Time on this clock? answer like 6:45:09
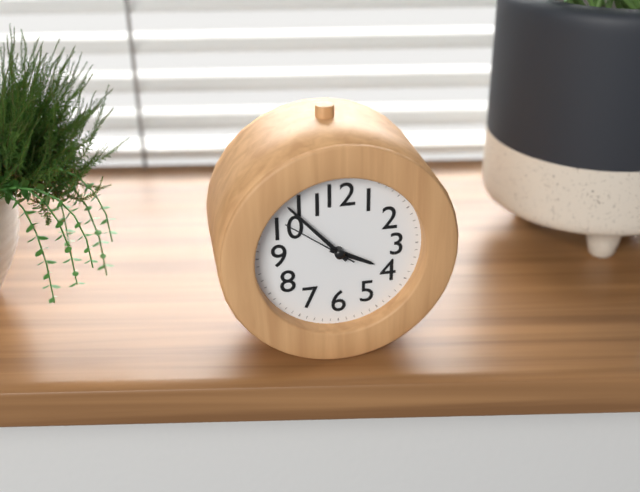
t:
3:53:51
